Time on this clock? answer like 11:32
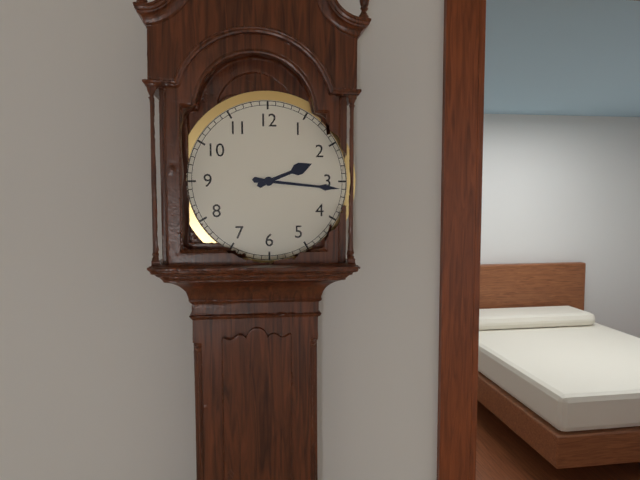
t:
2:16
